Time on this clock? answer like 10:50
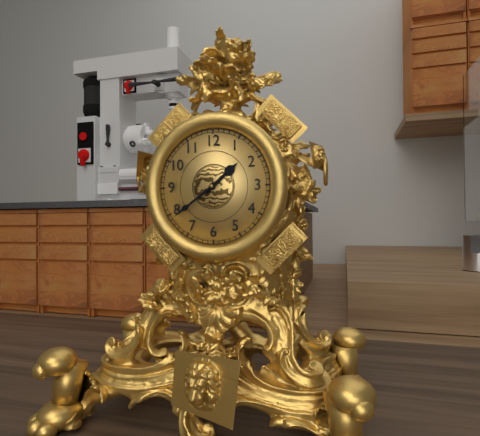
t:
1:39
